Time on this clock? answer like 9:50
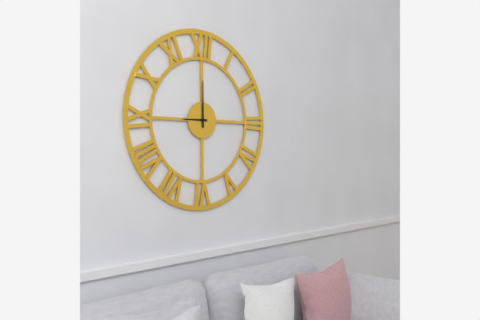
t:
9:00
